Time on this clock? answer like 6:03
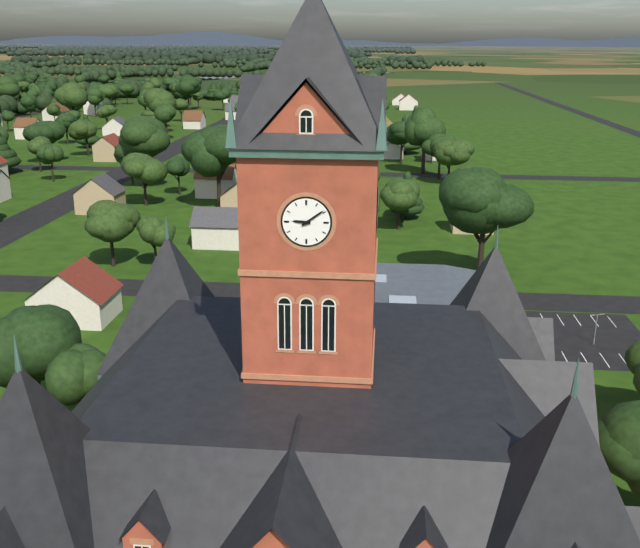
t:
9:09
